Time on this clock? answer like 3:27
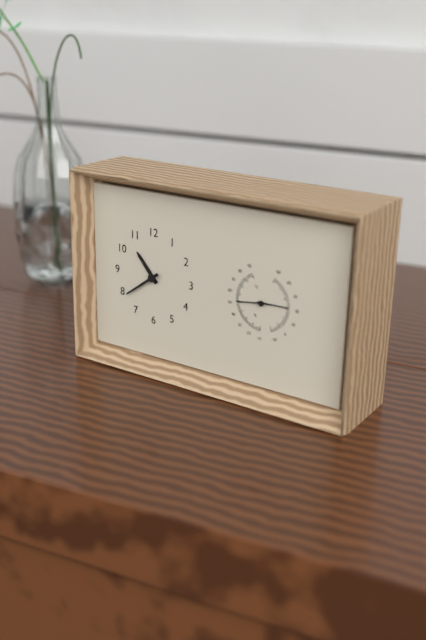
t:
10:39
